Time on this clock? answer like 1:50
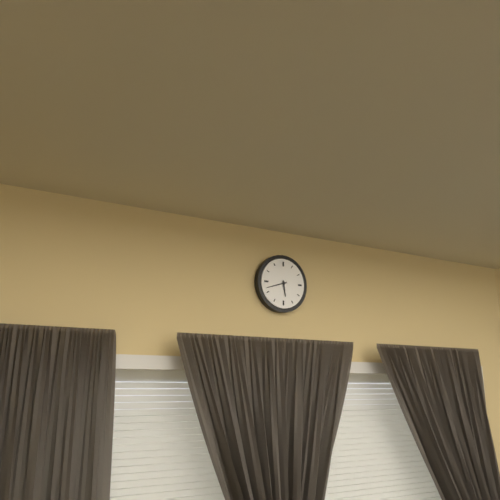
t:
5:42
